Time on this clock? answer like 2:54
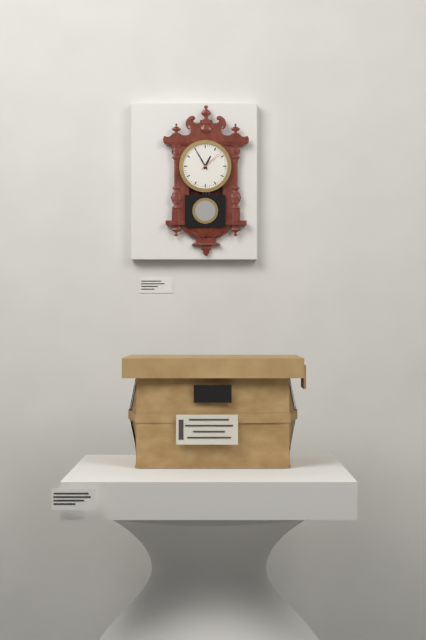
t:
12:55
